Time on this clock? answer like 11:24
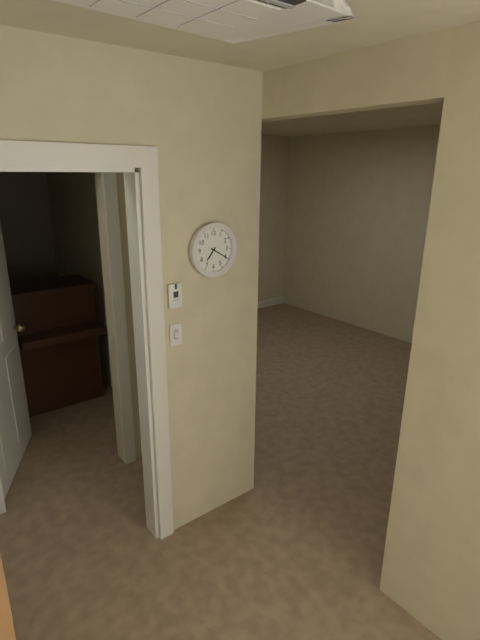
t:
7:20
